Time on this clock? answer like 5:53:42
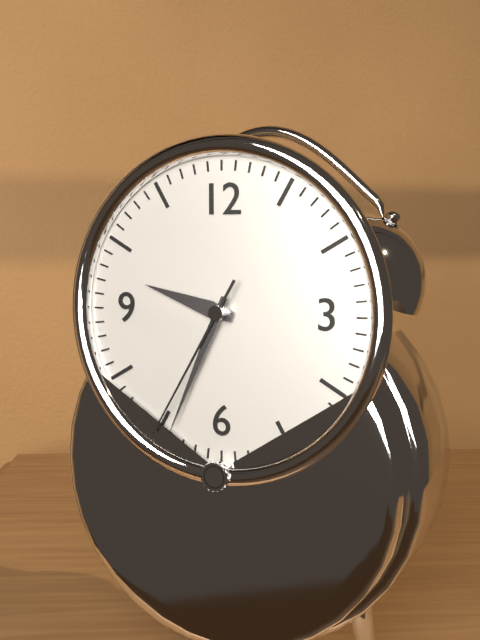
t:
9:34:35
